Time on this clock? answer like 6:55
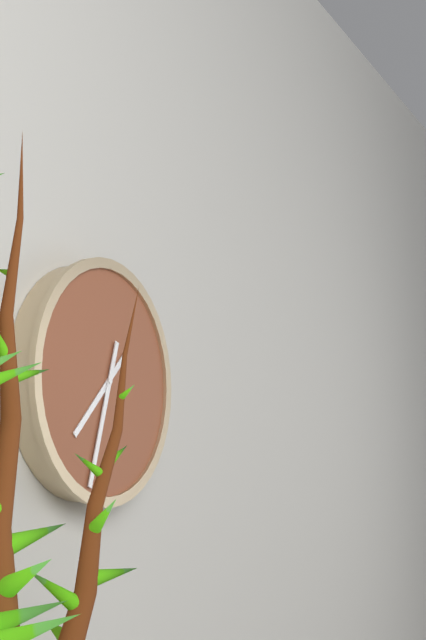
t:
7:33
